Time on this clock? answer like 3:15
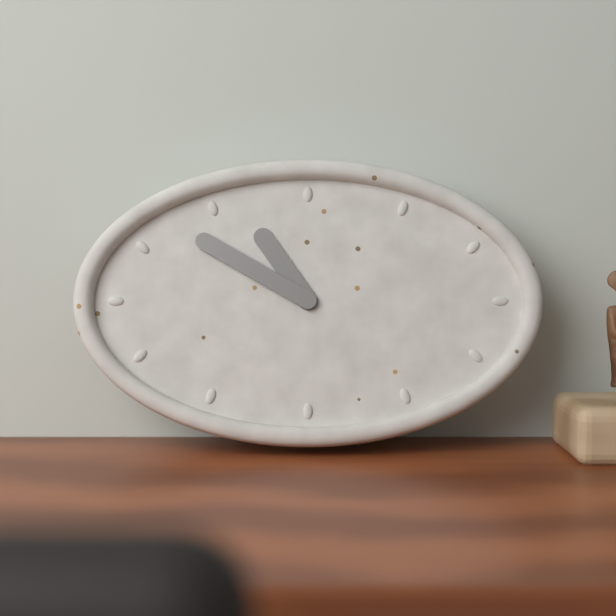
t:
10:50
